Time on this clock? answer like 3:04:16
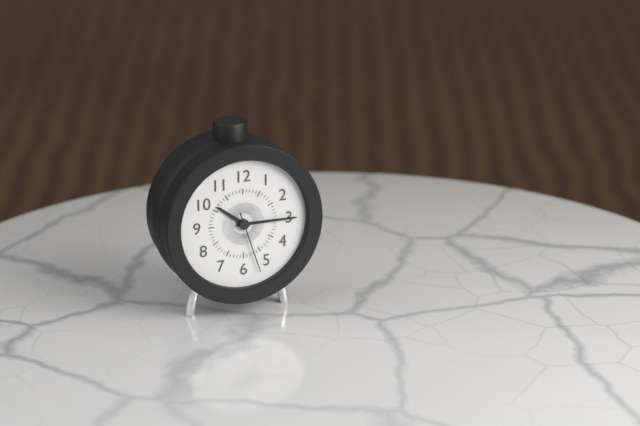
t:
10:15:27
